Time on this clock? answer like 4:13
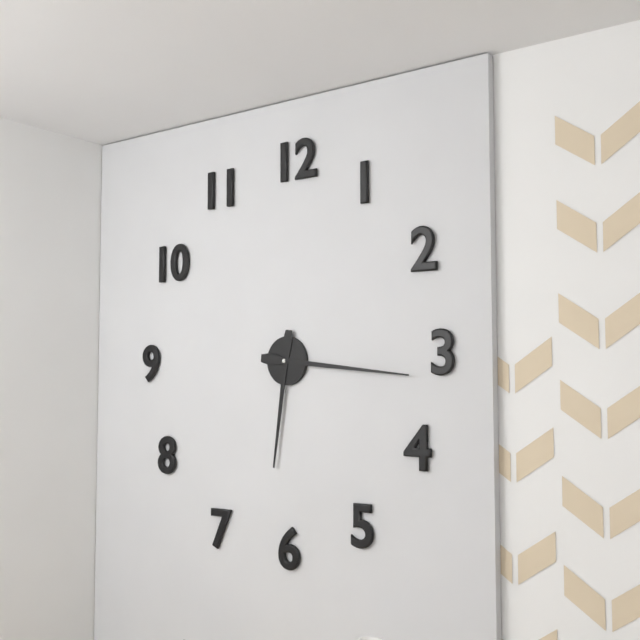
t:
6:16
